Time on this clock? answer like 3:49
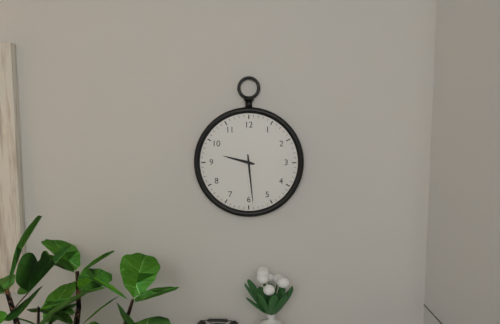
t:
9:29
